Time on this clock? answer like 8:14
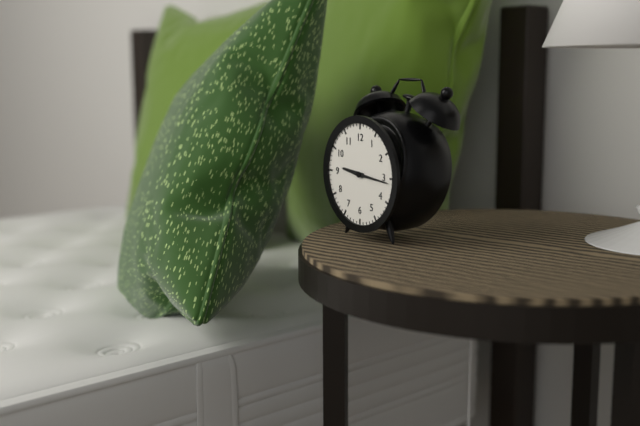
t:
9:16
